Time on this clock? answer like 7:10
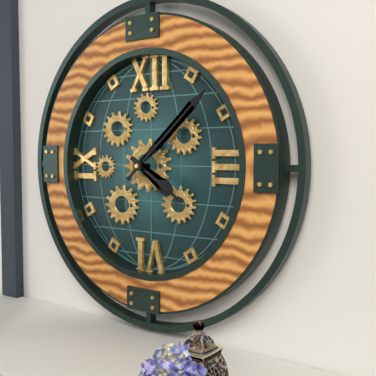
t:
4:08
